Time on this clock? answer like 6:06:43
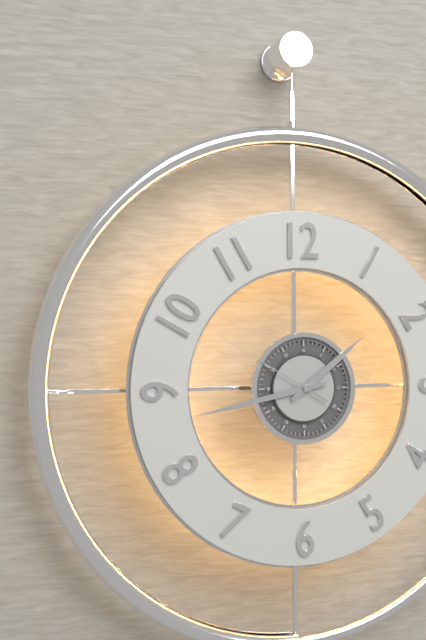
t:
1:43:50
